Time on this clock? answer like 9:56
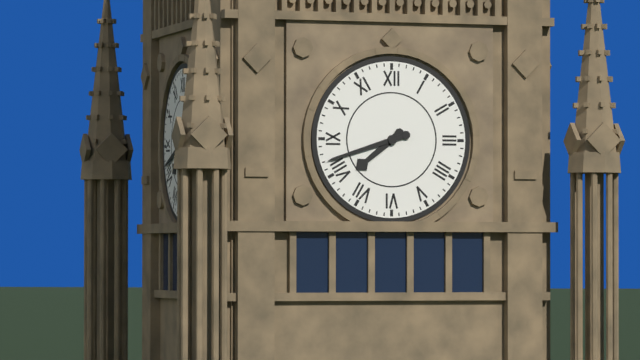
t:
7:42
